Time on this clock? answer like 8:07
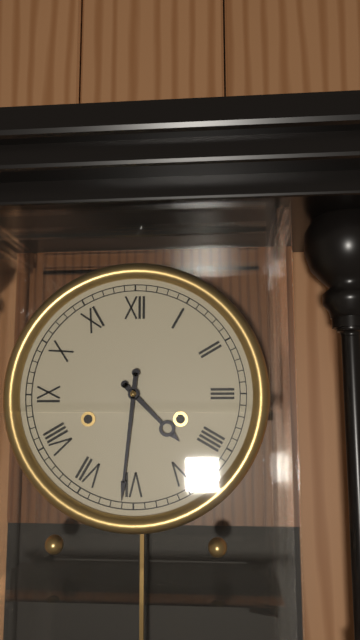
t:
4:31
